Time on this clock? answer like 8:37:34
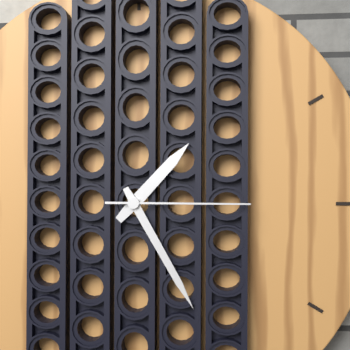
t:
1:25:15
